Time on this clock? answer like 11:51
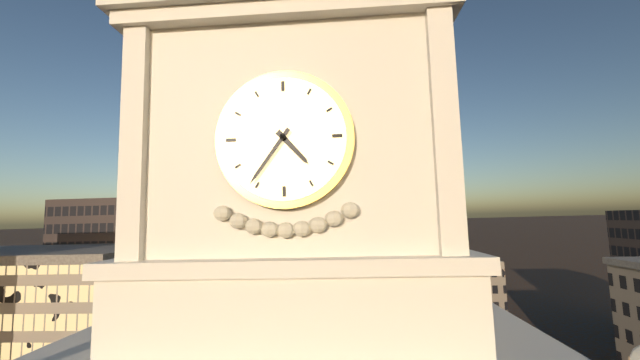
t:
4:36
